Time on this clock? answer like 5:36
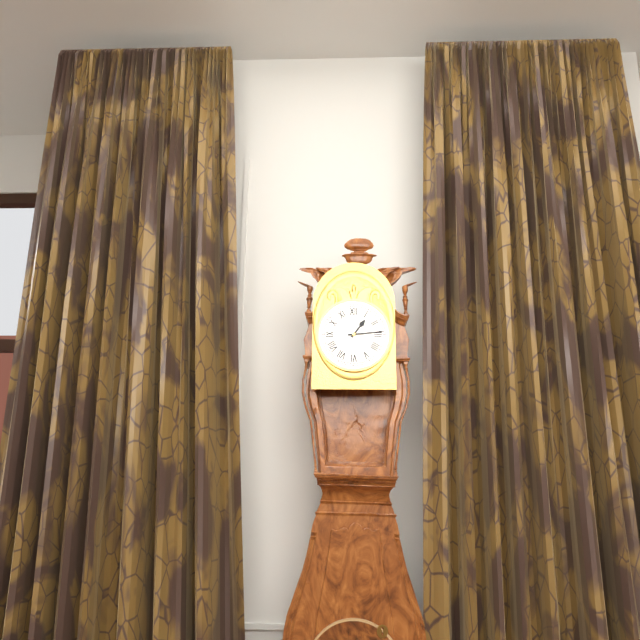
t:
1:14
